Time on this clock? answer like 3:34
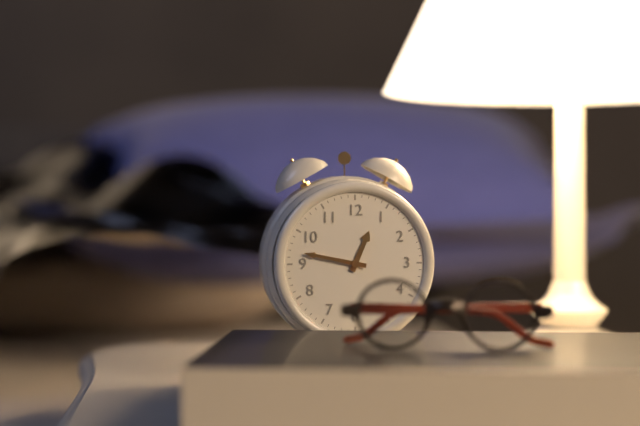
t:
12:47
